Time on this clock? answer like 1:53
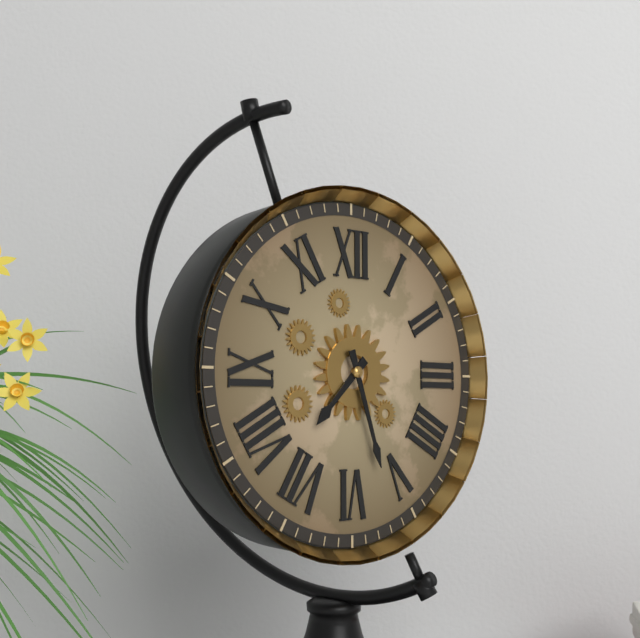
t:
7:27
